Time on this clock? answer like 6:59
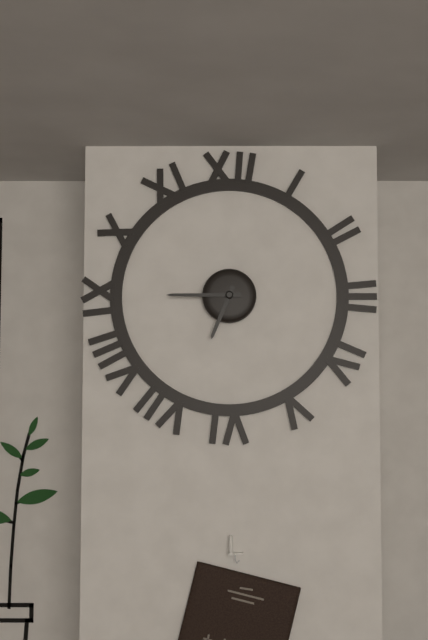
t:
6:45
